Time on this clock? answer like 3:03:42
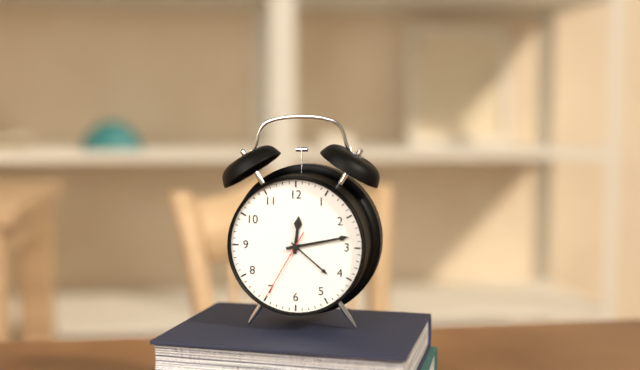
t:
12:13:35
